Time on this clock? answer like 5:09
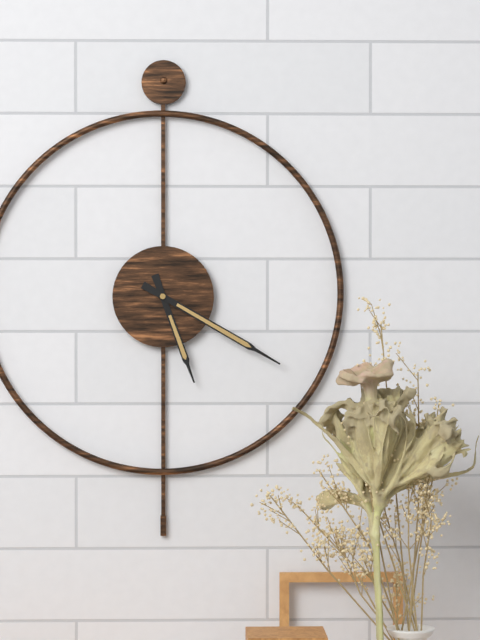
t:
5:20
